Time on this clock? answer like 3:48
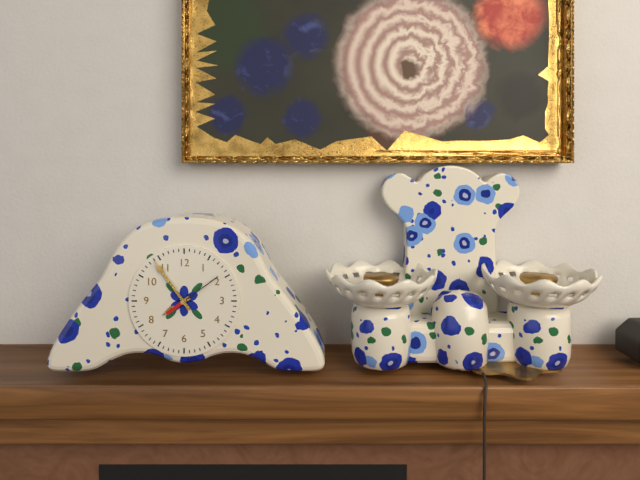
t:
7:54
